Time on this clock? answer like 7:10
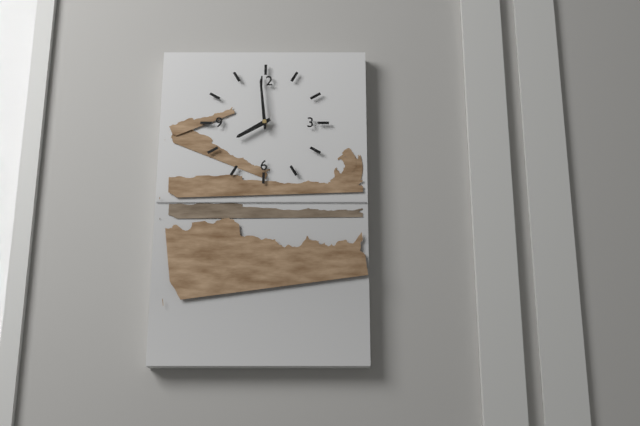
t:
7:59
